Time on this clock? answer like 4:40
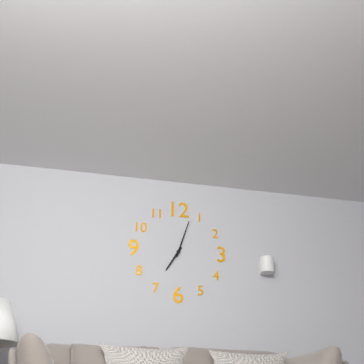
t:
7:03
